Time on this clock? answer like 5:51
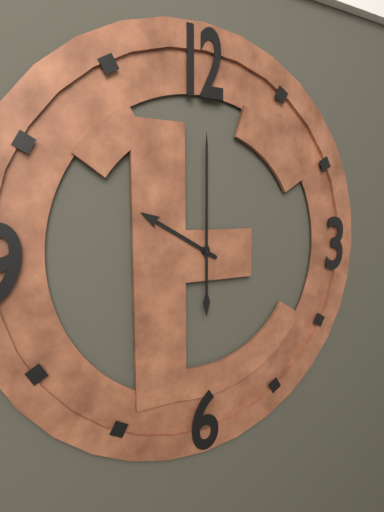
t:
10:00
